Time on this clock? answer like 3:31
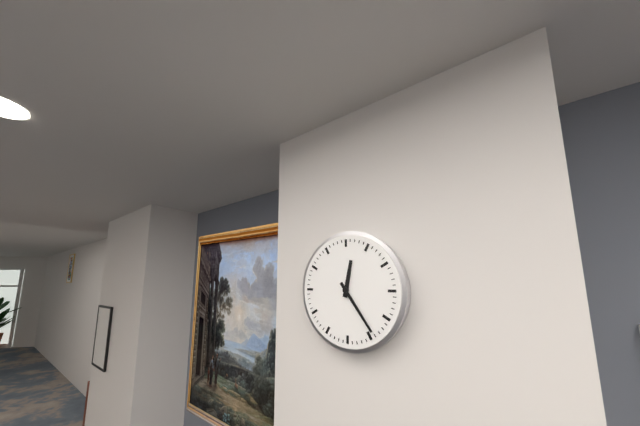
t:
12:24
